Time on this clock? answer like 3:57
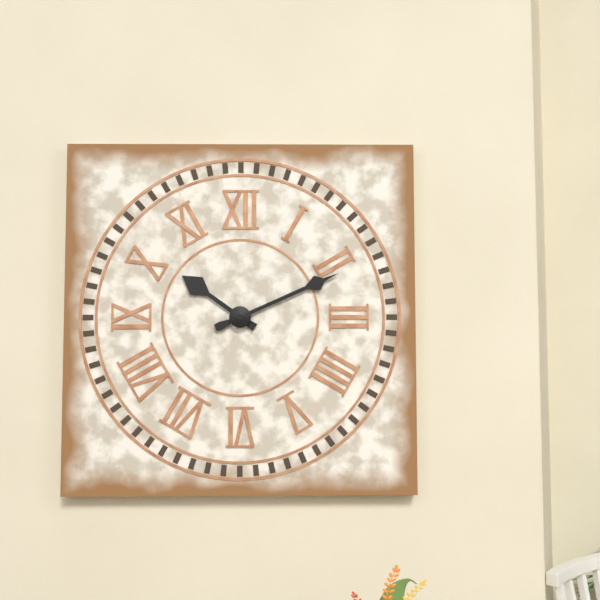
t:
10:11
